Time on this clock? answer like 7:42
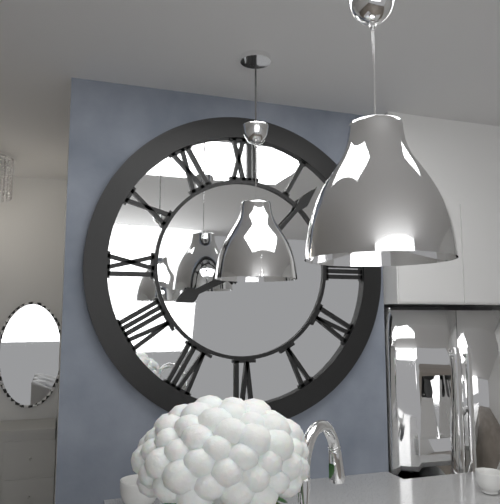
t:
8:07
